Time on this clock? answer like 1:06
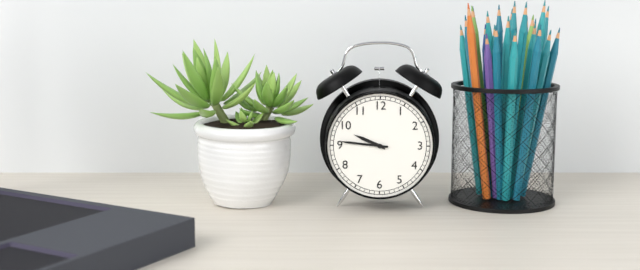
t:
9:46
